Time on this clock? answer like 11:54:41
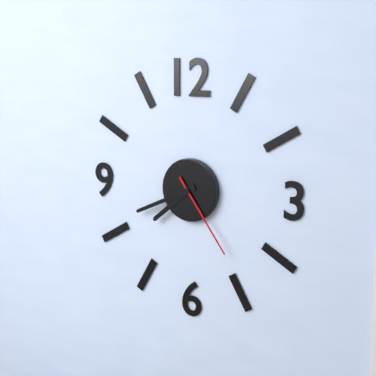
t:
7:41:24
